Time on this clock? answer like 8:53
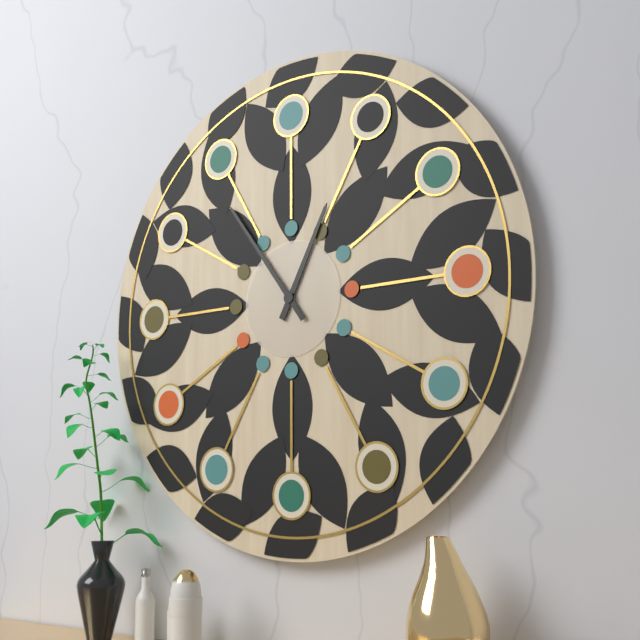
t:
12:54
